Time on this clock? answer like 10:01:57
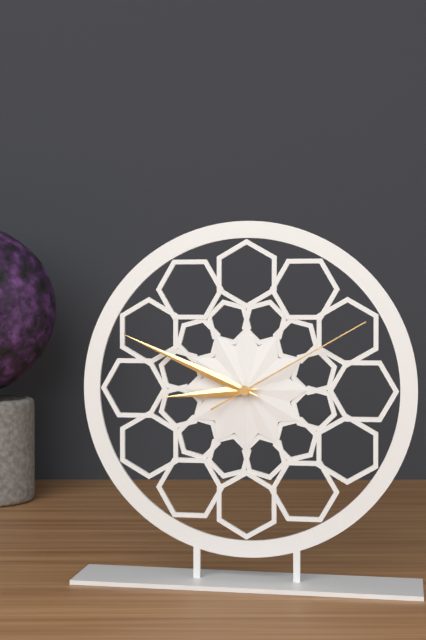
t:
8:49:10
